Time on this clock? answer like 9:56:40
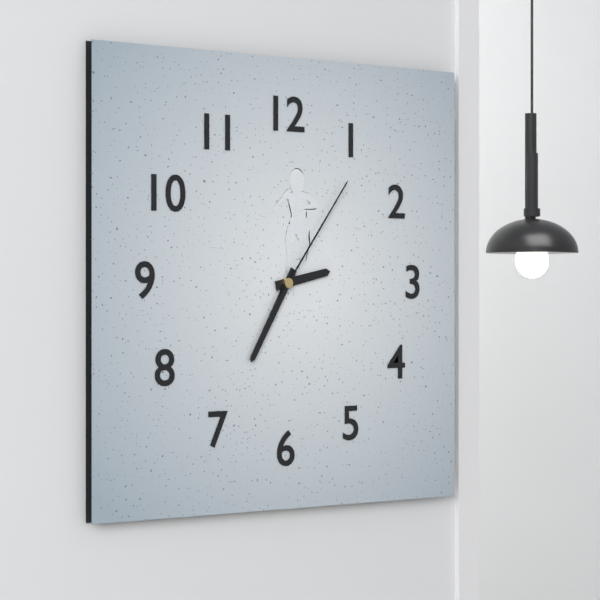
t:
2:35:06
